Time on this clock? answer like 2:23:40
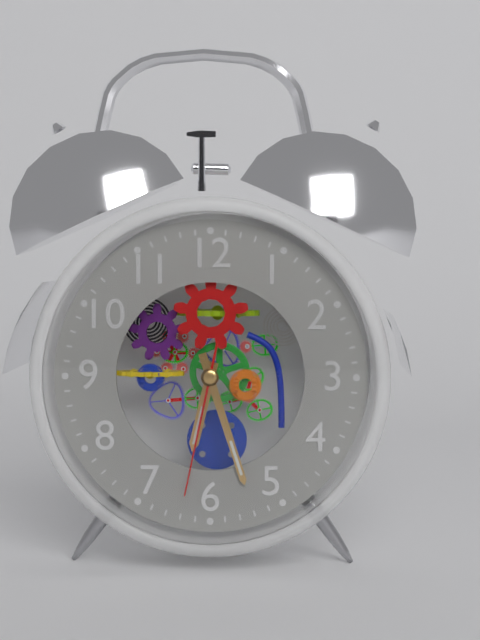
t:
6:27:32
